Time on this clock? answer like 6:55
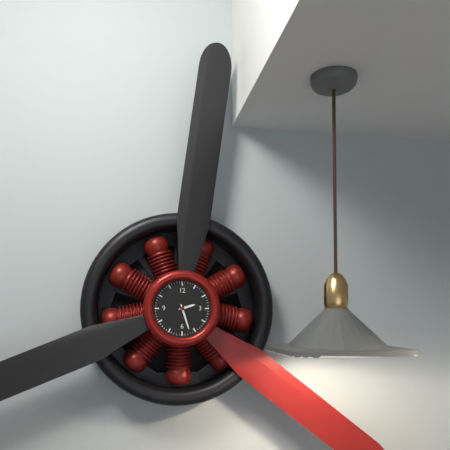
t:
2:27
